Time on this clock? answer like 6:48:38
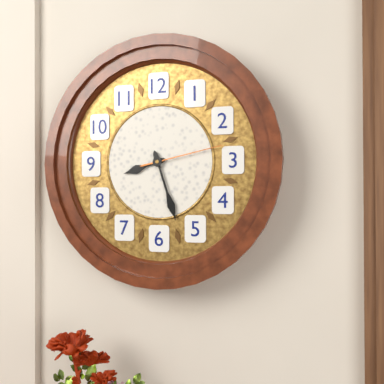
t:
8:27:13
